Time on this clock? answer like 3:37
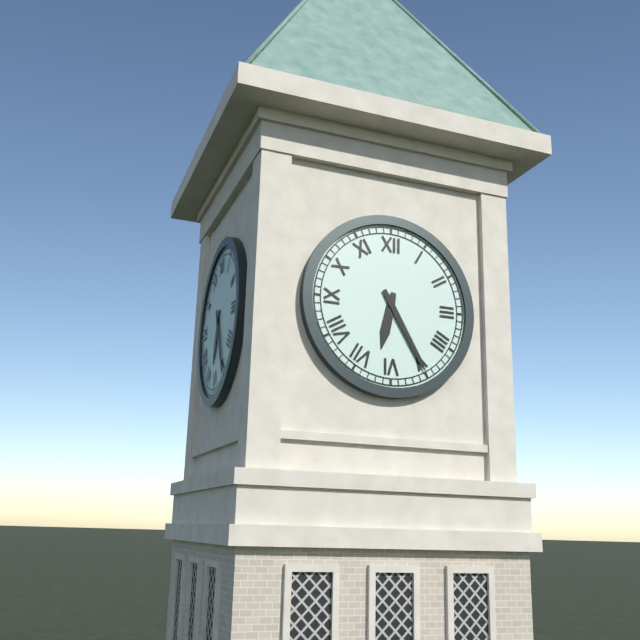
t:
6:25
